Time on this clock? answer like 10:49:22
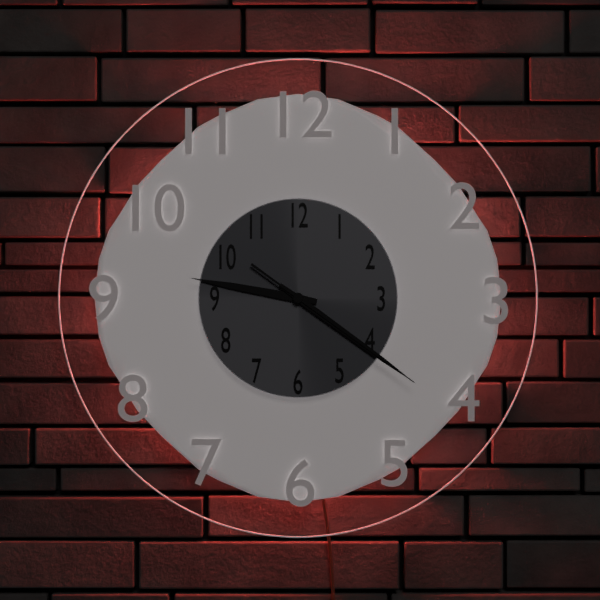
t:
9:21:21
